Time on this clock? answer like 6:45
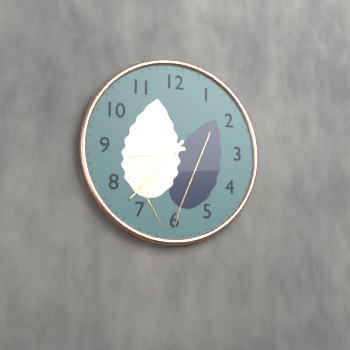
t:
8:37
